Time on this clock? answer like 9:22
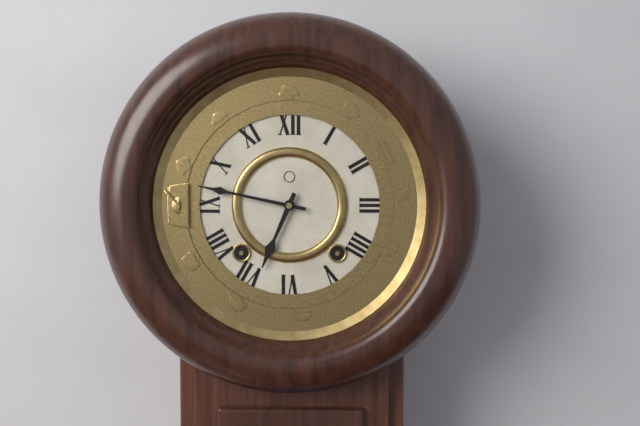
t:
6:47
